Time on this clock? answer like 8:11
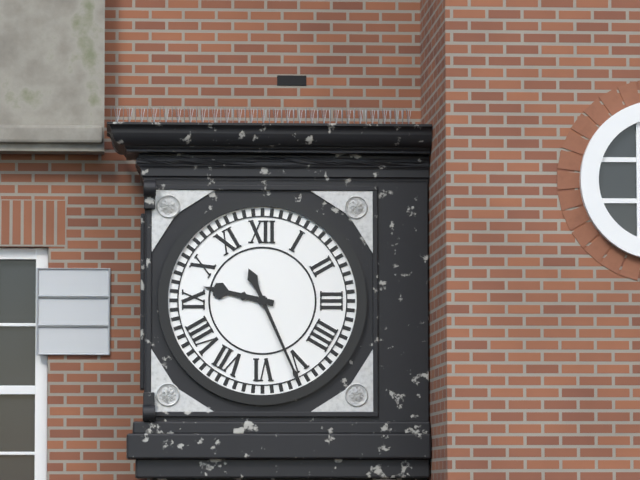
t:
9:26
